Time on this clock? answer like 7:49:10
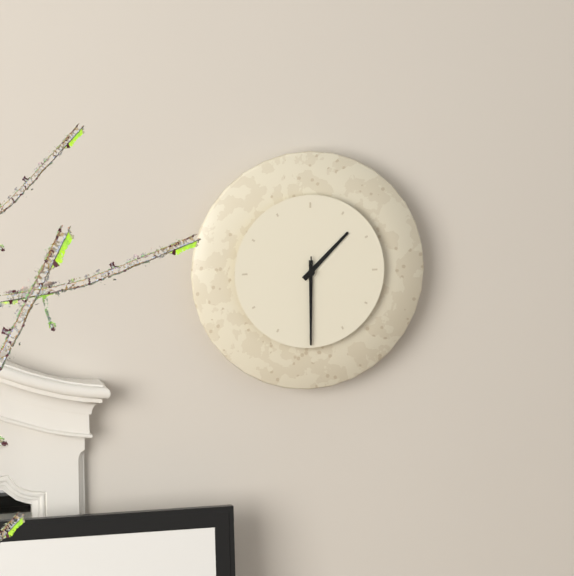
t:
1:30:30
